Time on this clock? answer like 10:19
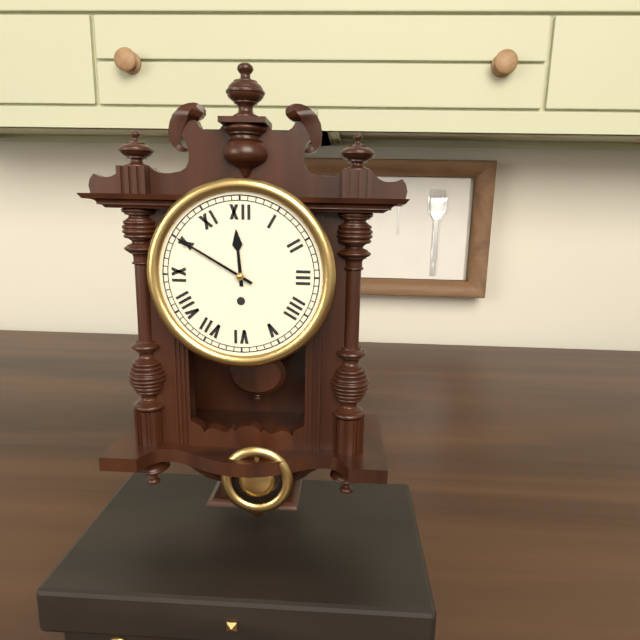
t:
11:50
